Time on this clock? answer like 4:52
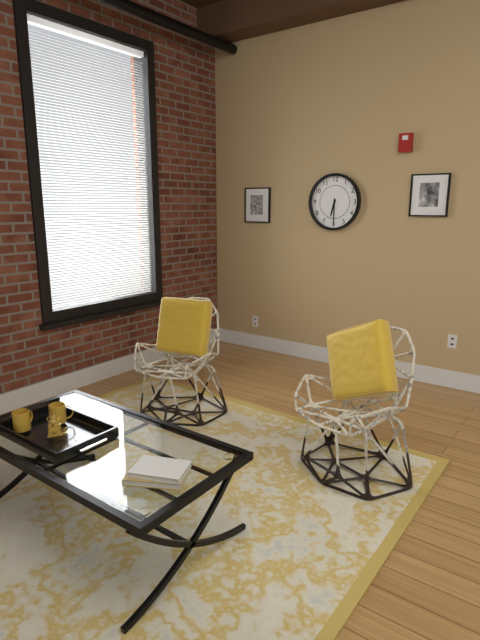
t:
6:30
